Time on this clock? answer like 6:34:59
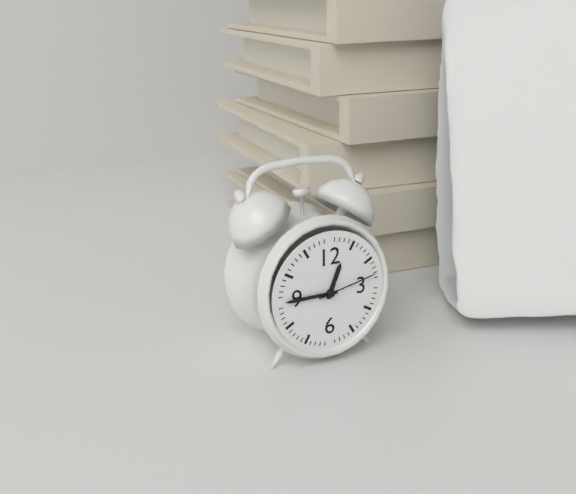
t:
12:45:13
